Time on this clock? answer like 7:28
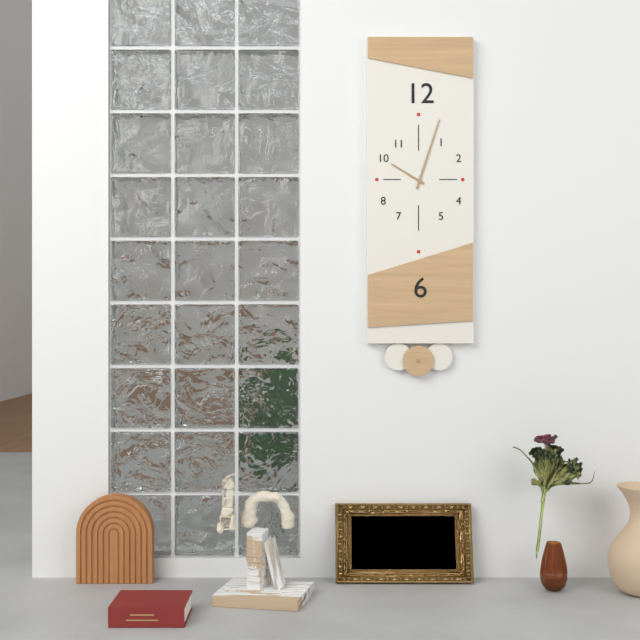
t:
10:03
